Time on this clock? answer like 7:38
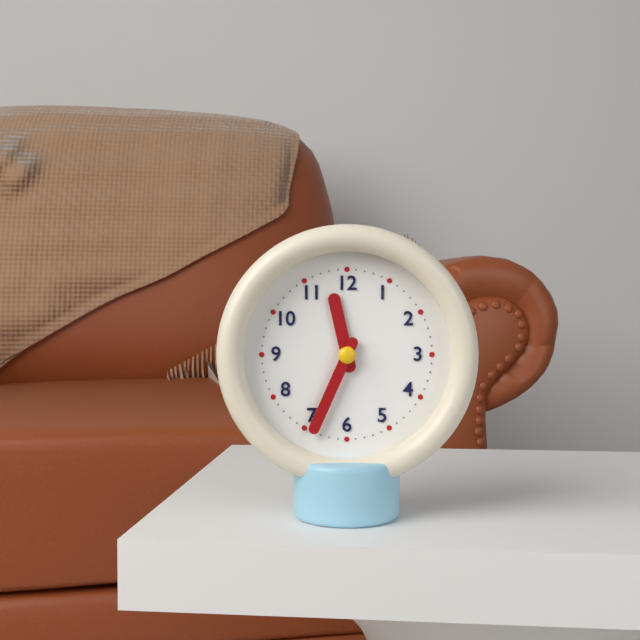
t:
11:34
